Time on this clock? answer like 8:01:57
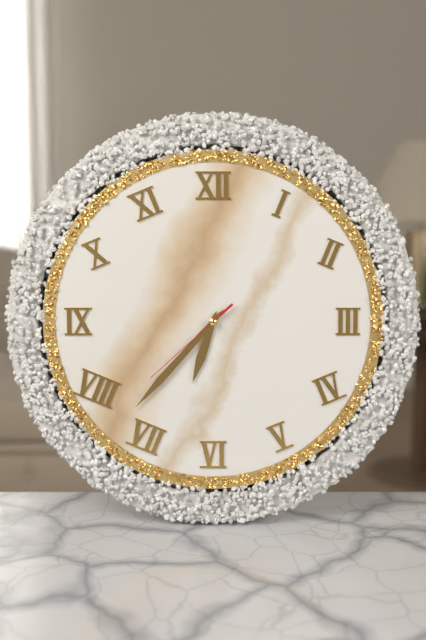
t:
6:37:38
